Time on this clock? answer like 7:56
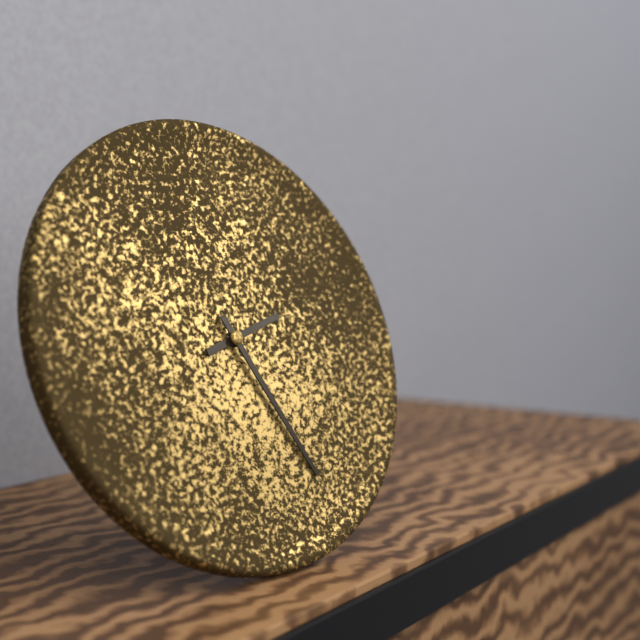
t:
2:26
